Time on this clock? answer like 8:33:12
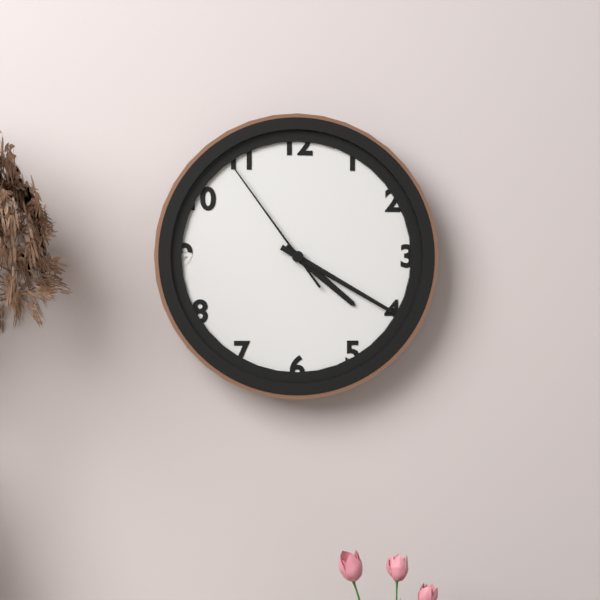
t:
4:20:54
